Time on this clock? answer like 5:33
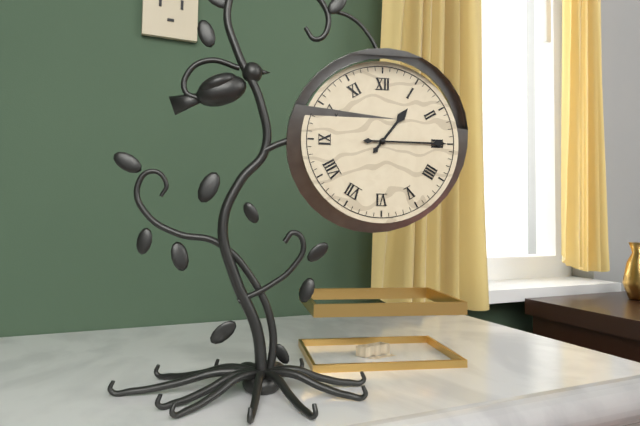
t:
1:15
